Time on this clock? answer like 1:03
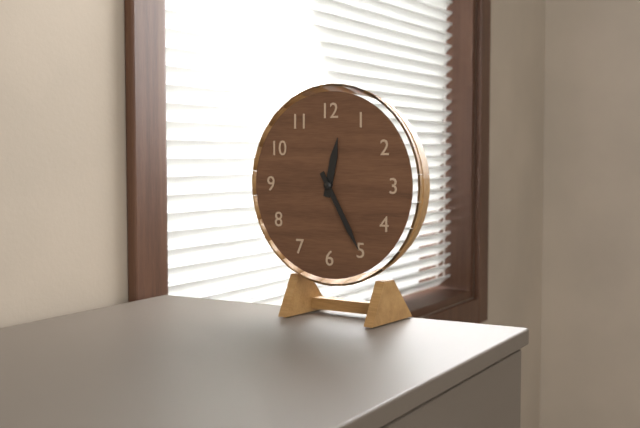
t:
12:25
